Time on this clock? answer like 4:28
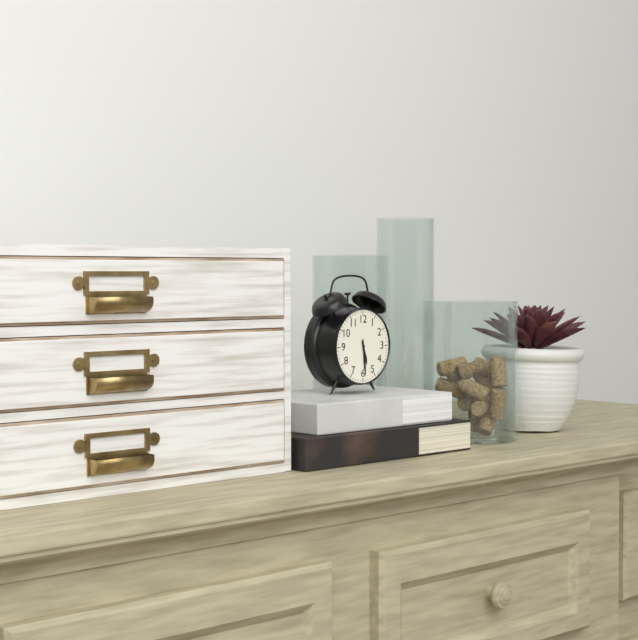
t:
5:29
